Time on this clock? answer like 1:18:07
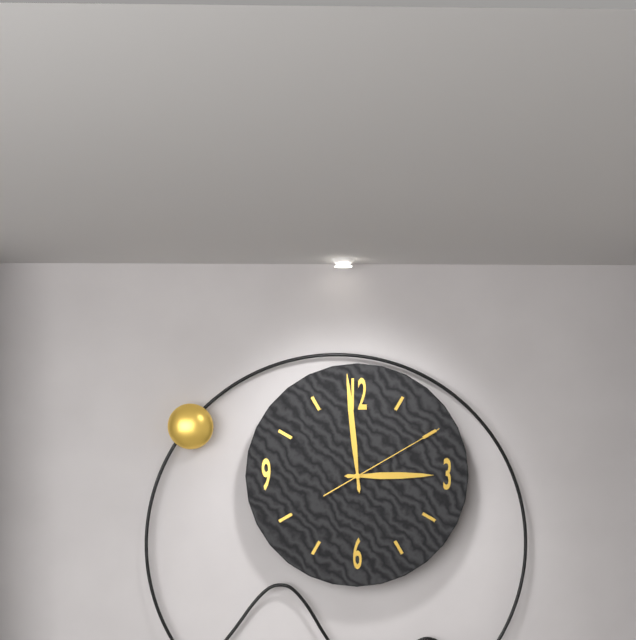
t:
2:59:10
